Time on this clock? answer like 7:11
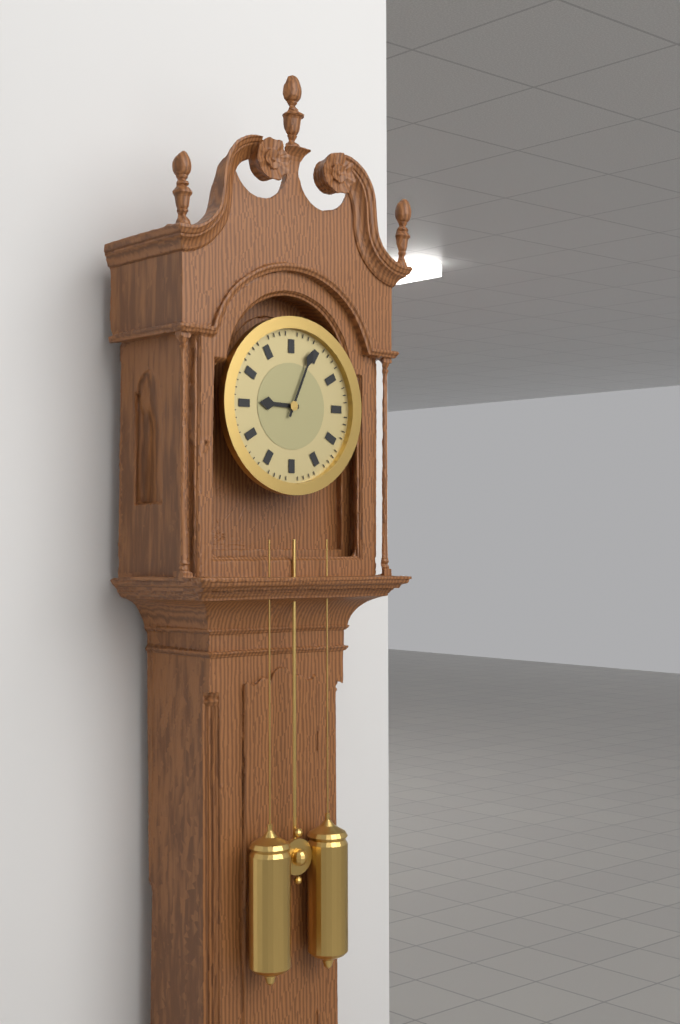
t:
9:04
